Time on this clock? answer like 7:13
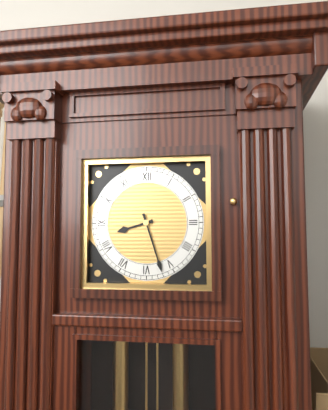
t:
8:27
